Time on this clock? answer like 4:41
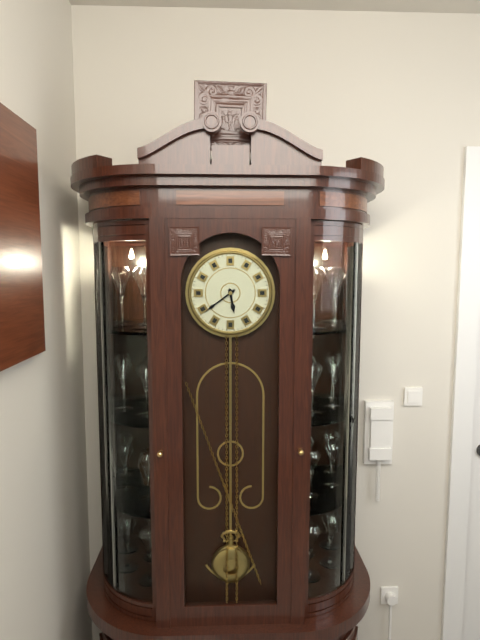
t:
5:39
